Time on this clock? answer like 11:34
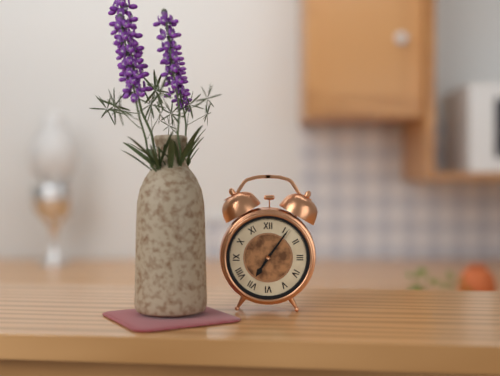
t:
7:06
